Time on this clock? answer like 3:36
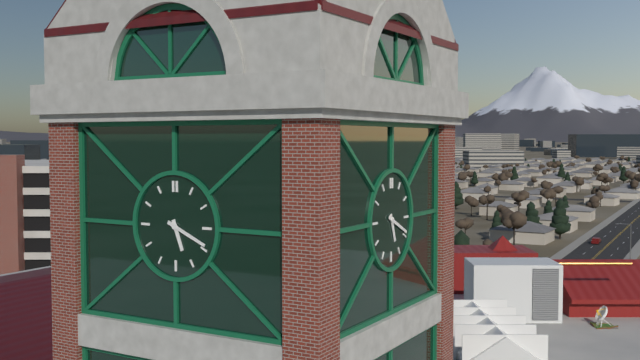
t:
5:19
